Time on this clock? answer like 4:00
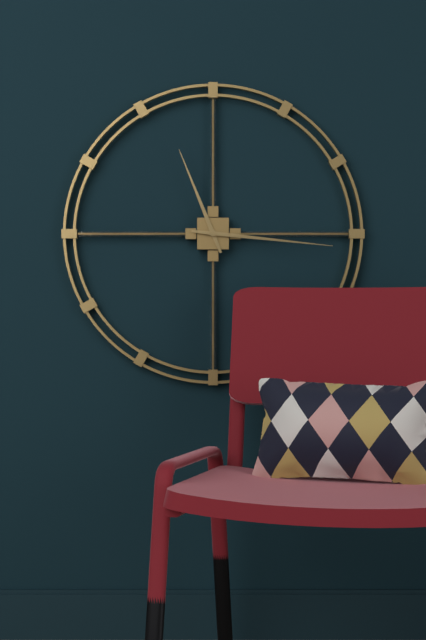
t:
11:16
